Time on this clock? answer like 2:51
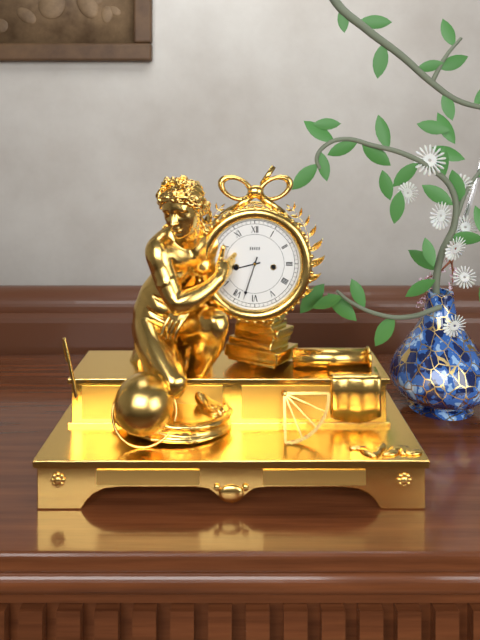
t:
8:33
